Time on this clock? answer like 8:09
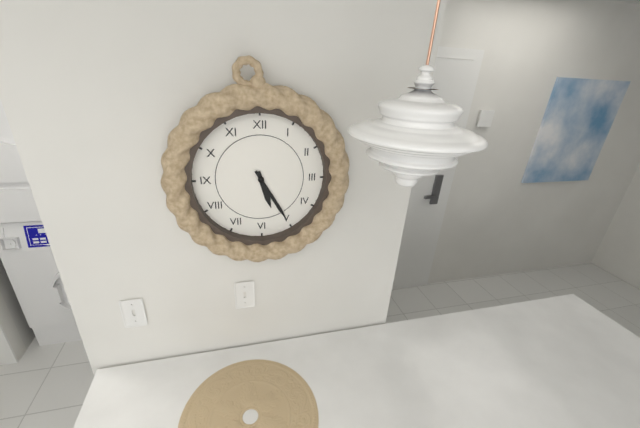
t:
5:25
